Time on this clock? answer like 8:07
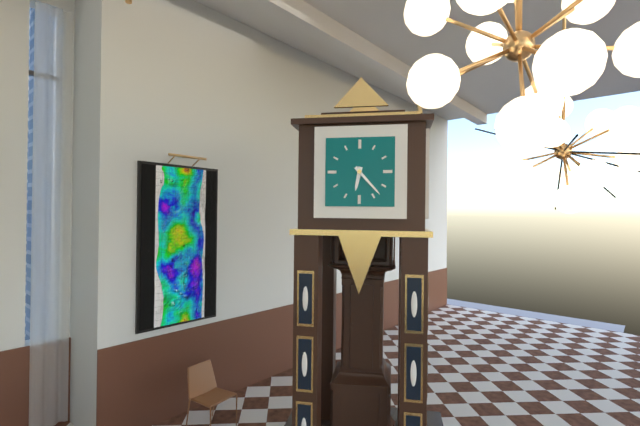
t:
6:23
